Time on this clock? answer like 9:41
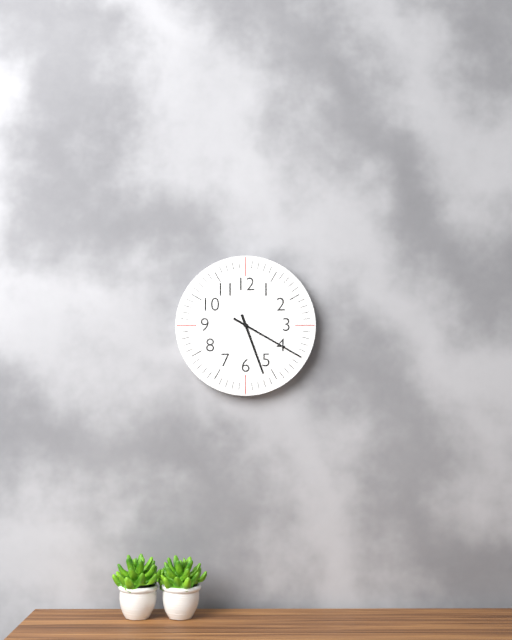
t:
5:20
